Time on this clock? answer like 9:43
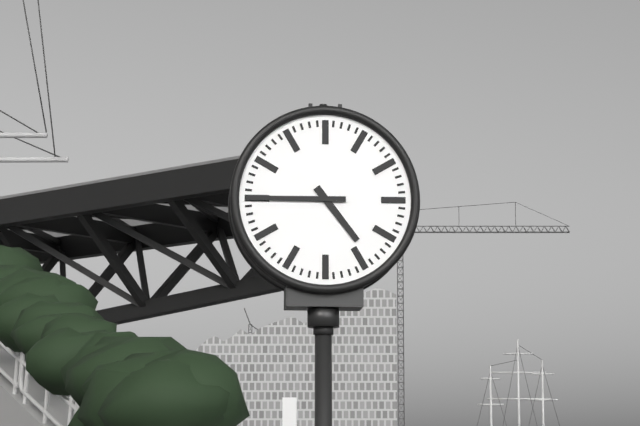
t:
4:45
